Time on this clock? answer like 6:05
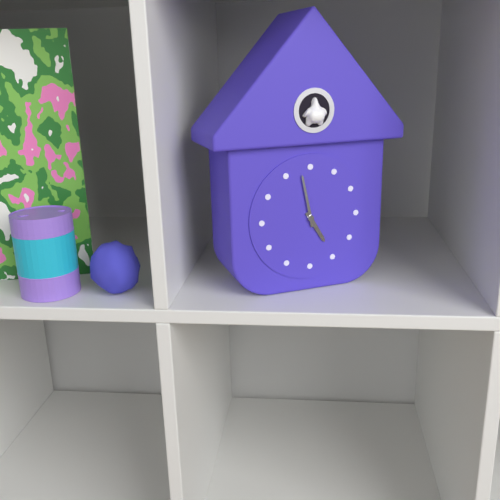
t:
4:58
